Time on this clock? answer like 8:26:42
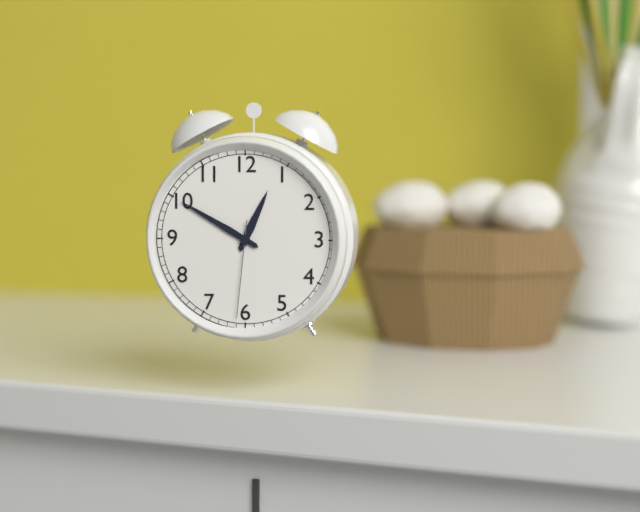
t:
12:50:31
